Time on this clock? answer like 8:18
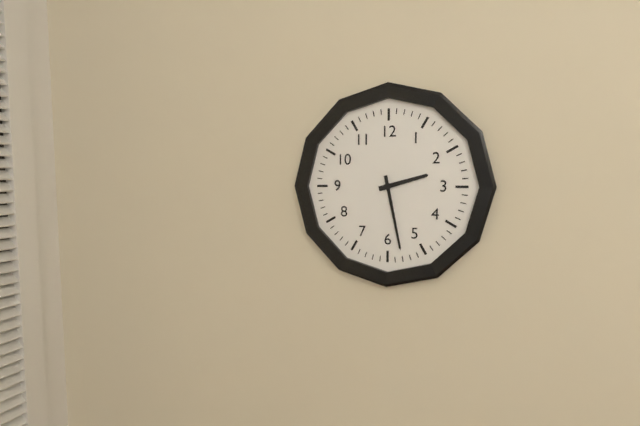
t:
2:28
